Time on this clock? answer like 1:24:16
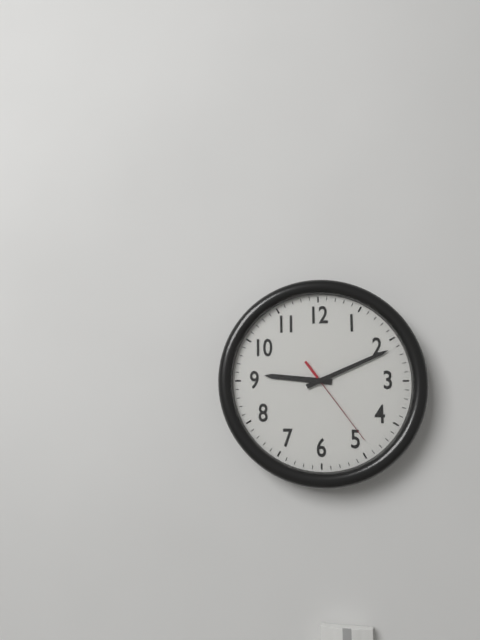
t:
9:11:24
